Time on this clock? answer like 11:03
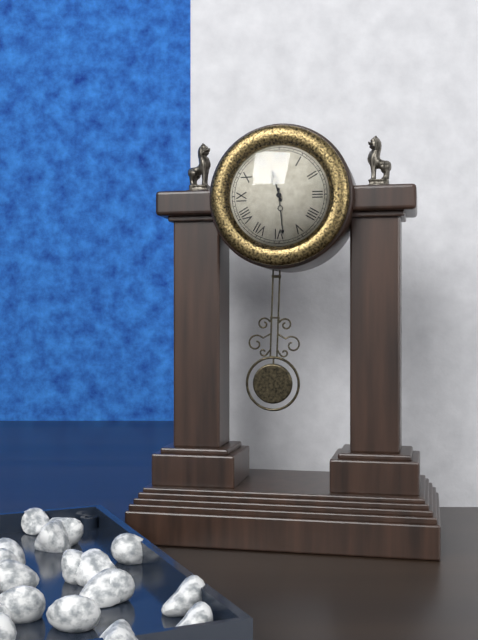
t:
11:29
